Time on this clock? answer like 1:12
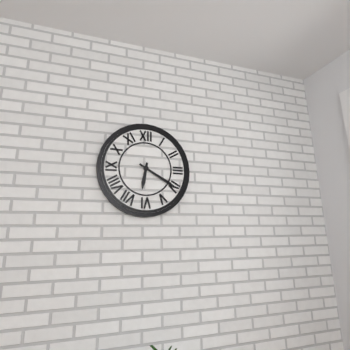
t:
6:20
